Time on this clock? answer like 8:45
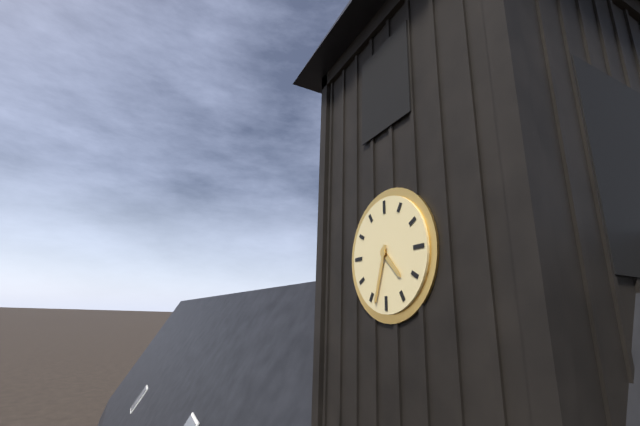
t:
4:33
